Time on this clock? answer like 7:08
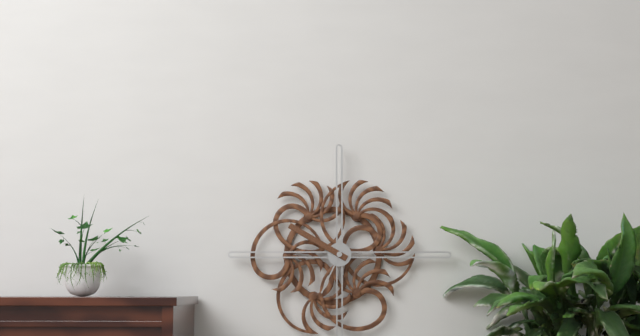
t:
6:50
